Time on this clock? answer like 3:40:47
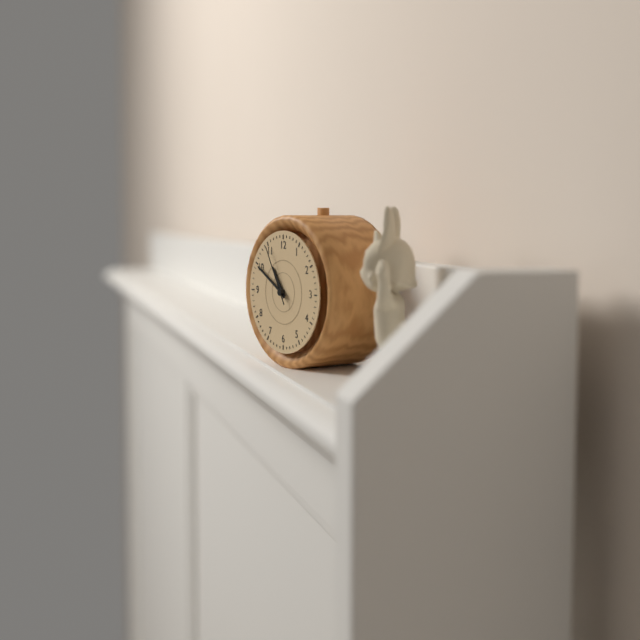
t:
10:50:55
